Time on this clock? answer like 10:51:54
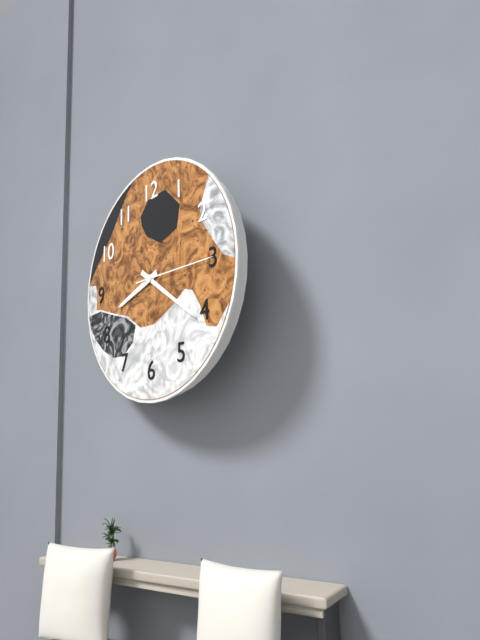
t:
8:21:15
